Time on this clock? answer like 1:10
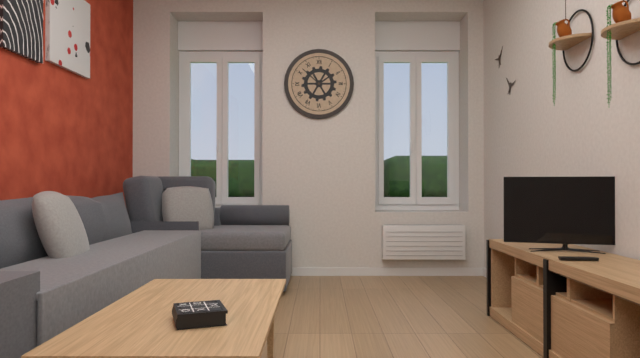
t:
1:52
